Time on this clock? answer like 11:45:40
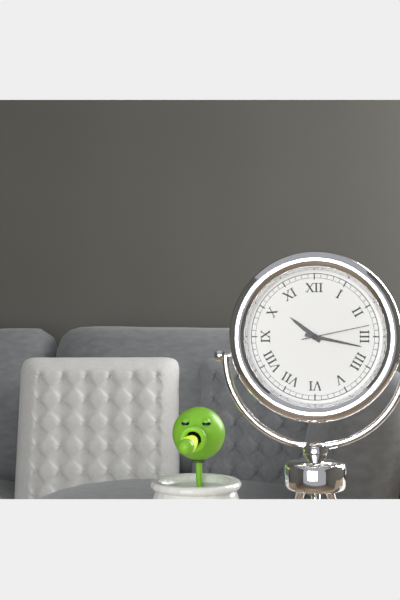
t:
10:17:13
